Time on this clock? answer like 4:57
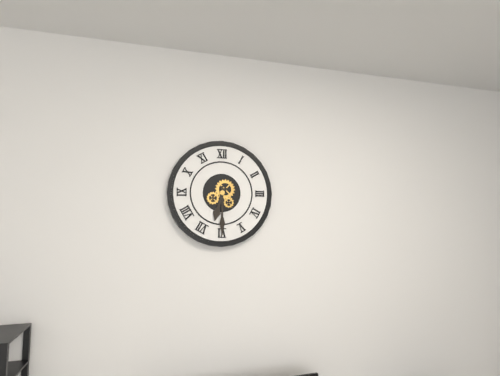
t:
6:30
